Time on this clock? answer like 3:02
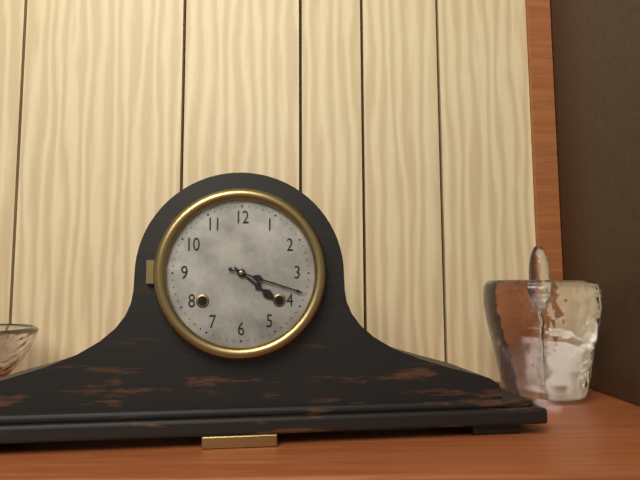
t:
4:18
